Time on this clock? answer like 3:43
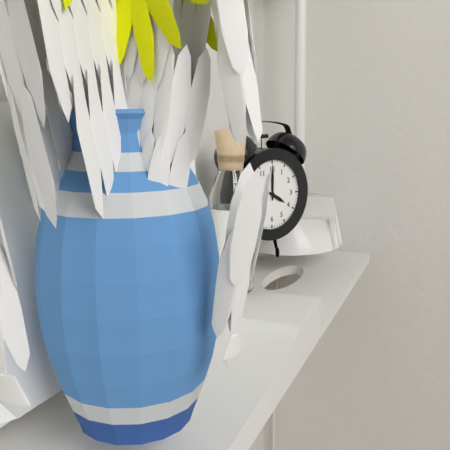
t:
4:00
